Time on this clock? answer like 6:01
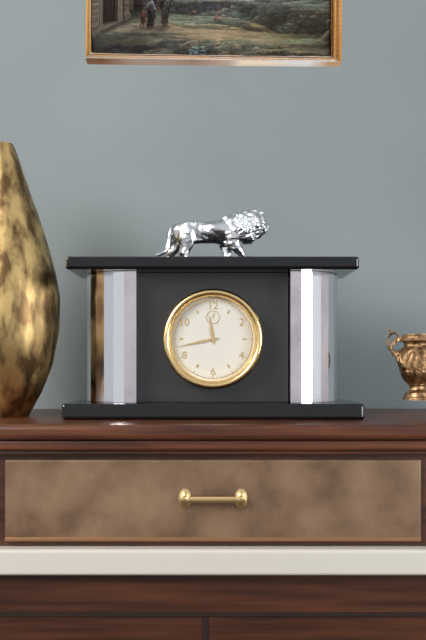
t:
11:43
